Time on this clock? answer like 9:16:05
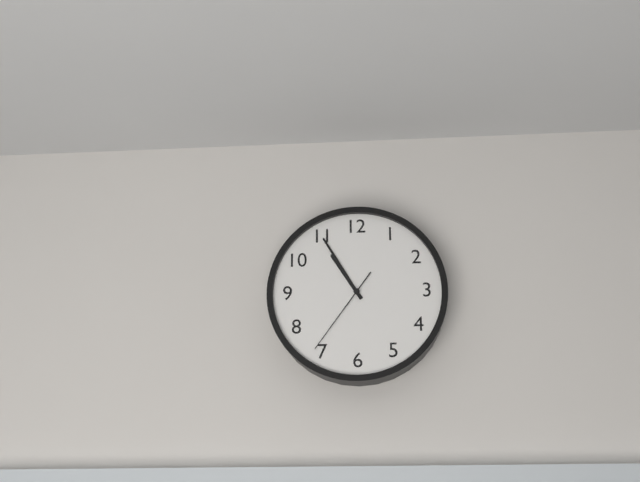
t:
10:55:36
